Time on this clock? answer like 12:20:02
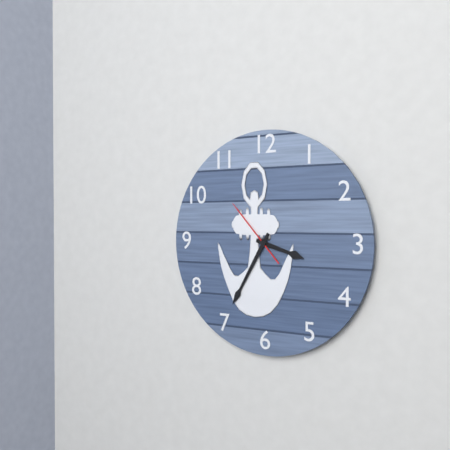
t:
3:35:53
